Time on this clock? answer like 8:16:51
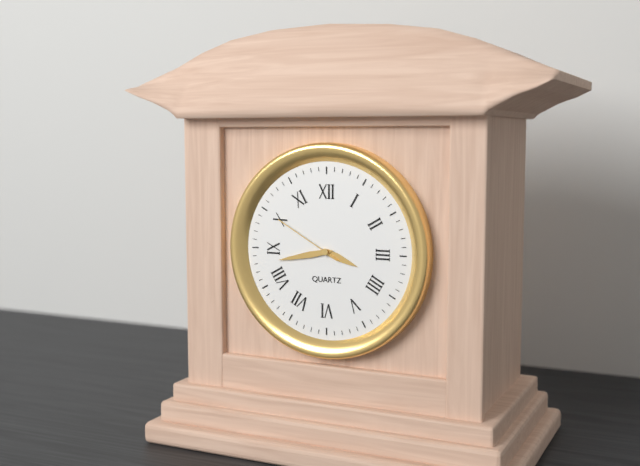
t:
3:43:50
